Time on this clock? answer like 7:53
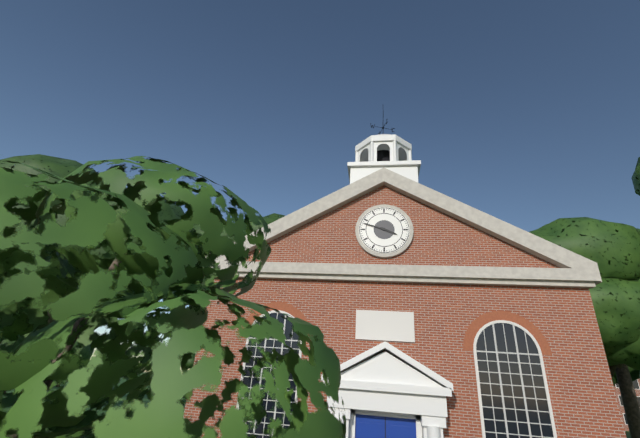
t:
3:48
